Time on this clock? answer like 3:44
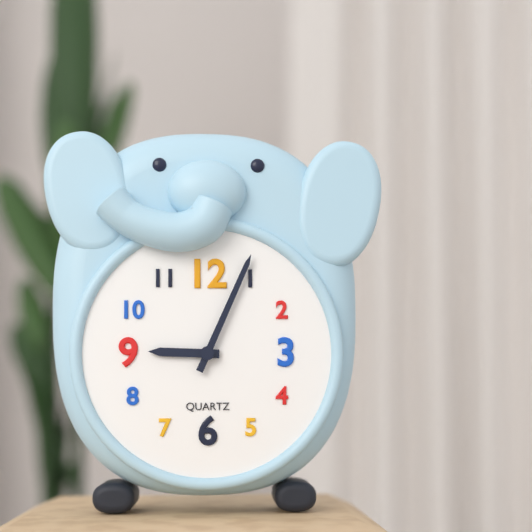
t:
9:04
